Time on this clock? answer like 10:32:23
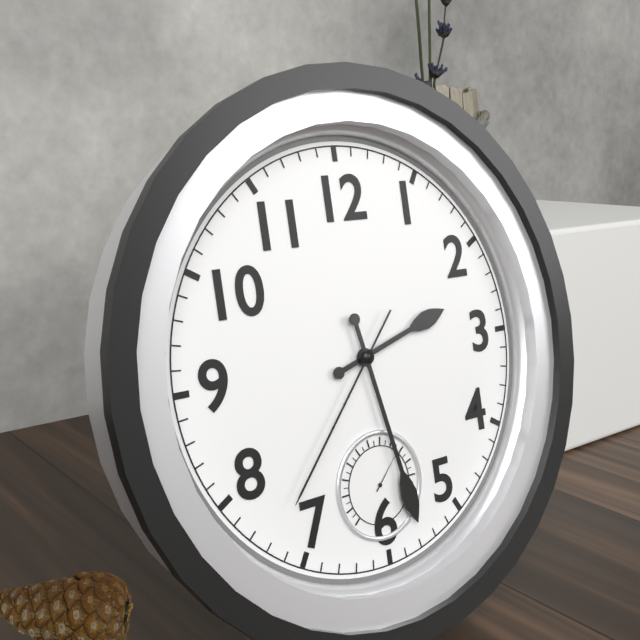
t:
2:28:37
